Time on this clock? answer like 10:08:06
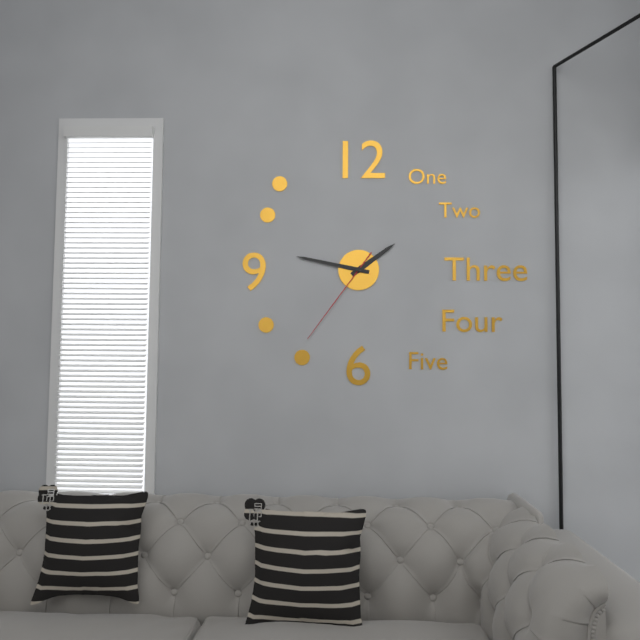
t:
1:47:36
